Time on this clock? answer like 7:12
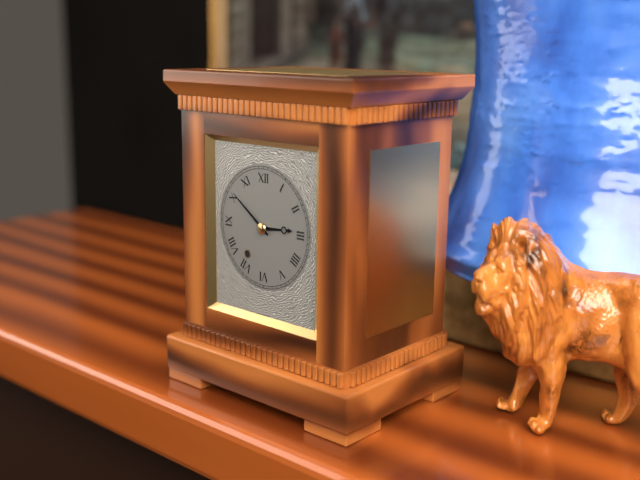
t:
2:51
